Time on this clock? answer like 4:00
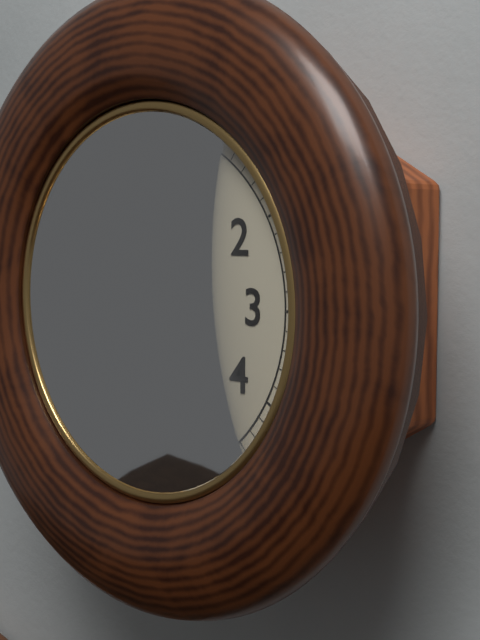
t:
9:59
